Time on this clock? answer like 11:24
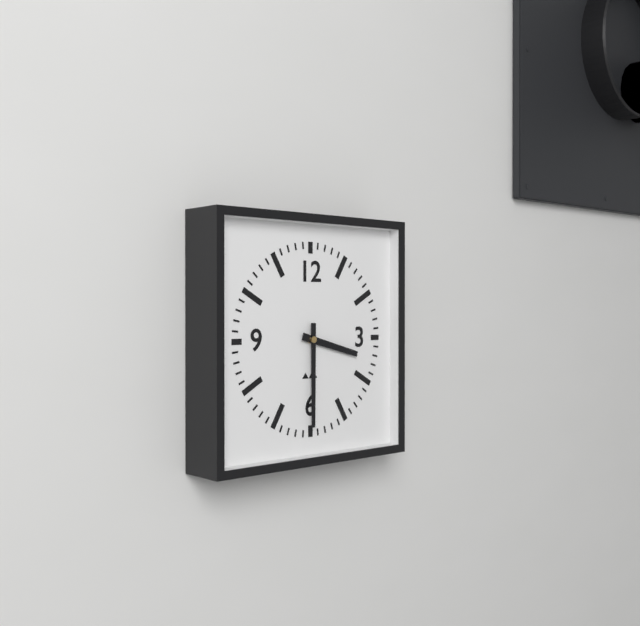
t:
3:30
